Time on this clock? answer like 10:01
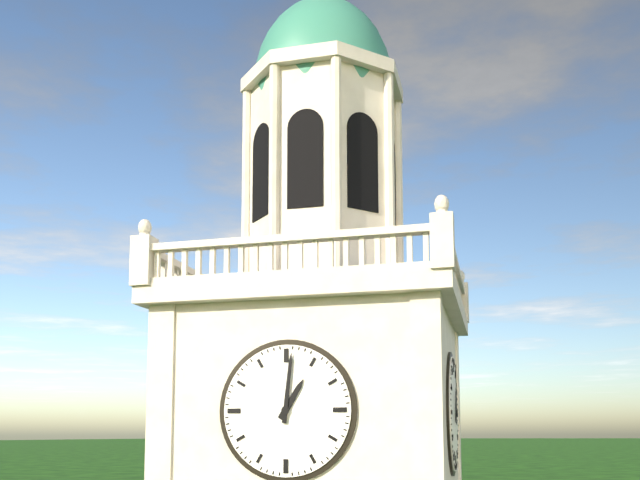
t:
1:01
